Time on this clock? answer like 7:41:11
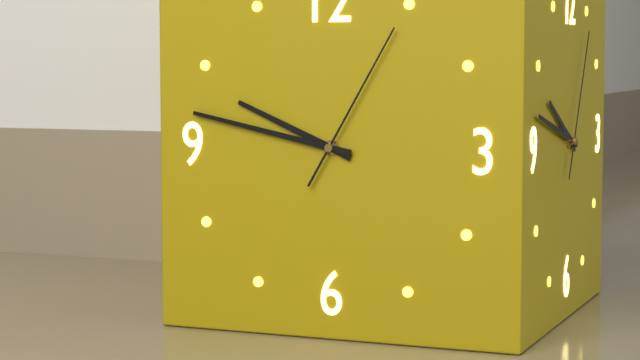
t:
9:47:05
